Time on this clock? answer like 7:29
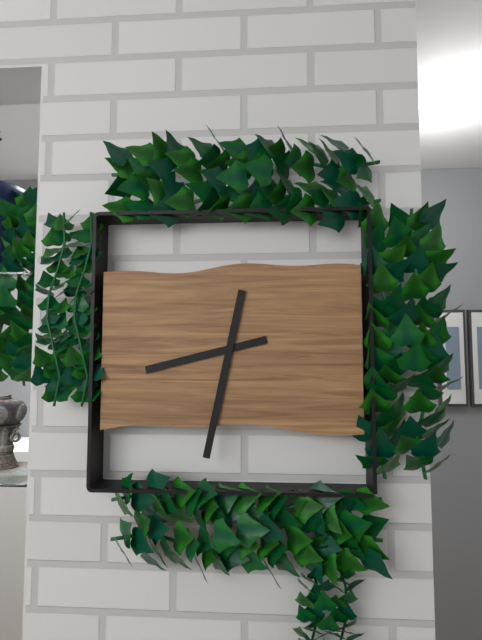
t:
8:32
